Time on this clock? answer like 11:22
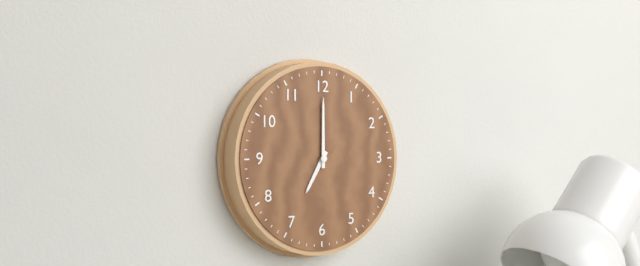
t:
7:00
